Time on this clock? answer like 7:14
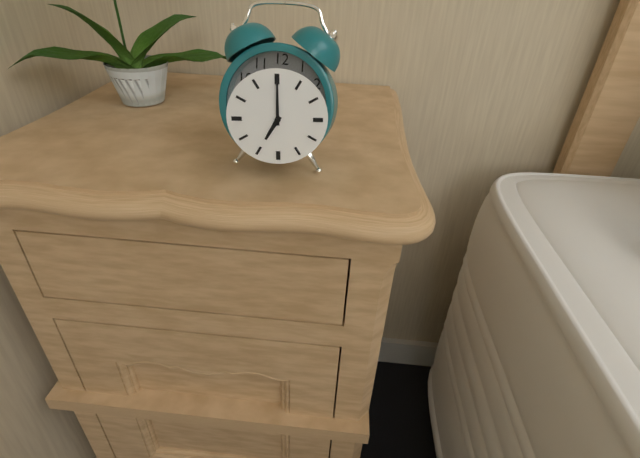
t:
7:00
